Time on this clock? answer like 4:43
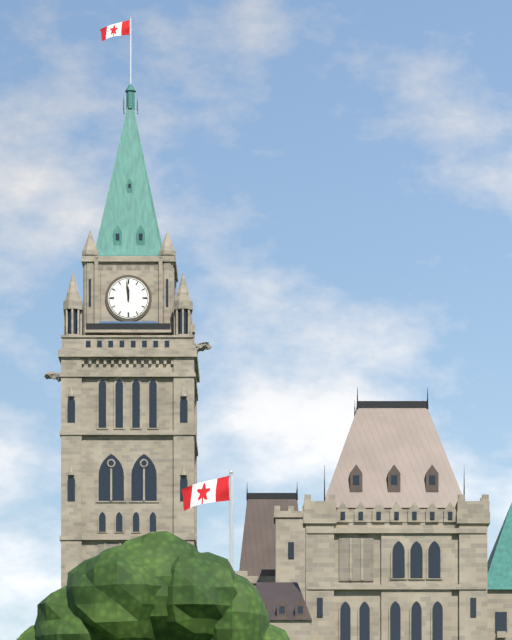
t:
11:59
